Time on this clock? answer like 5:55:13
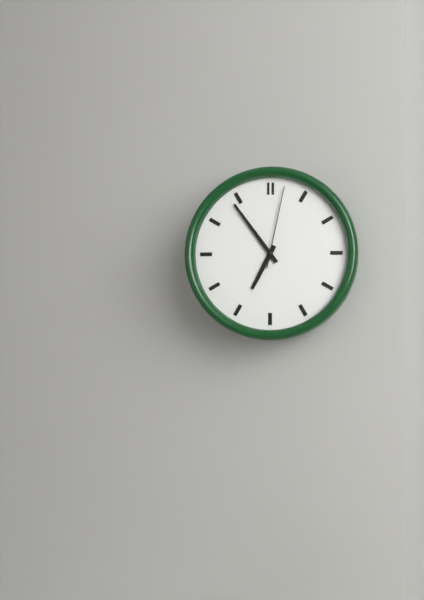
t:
6:54:02
